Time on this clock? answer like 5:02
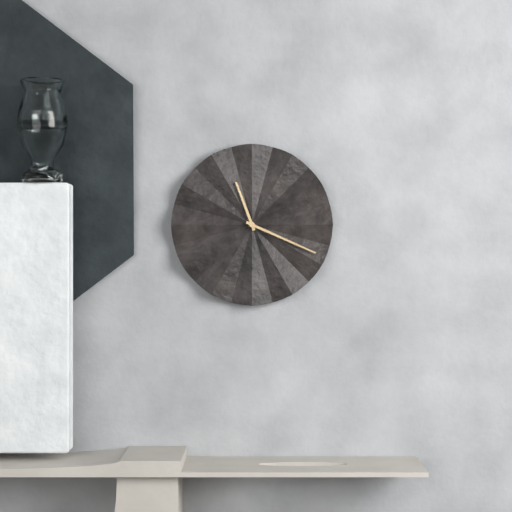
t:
11:19
